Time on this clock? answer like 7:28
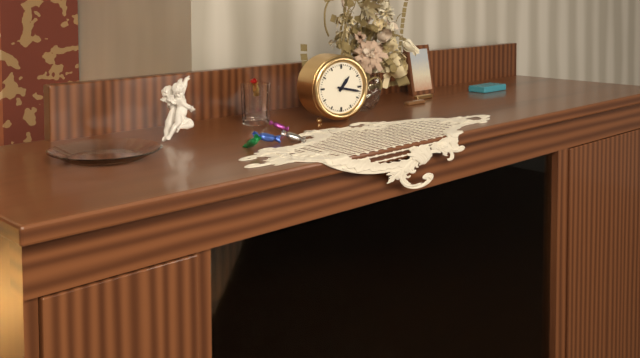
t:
1:17
